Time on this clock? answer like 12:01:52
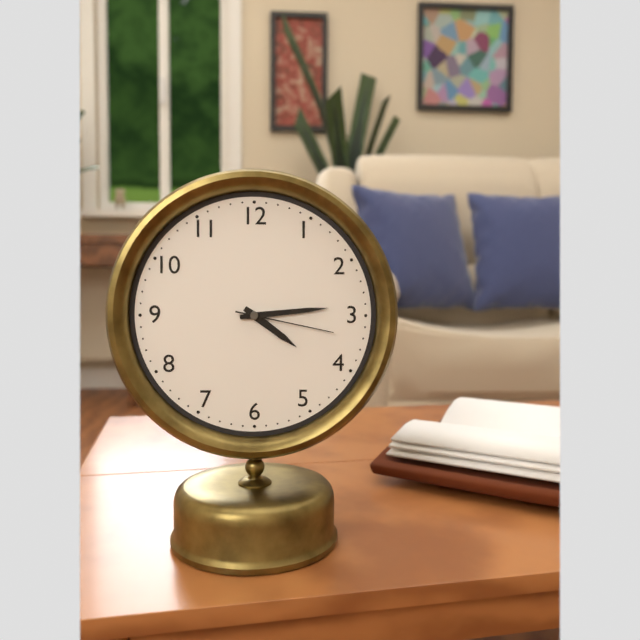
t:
4:14:17
